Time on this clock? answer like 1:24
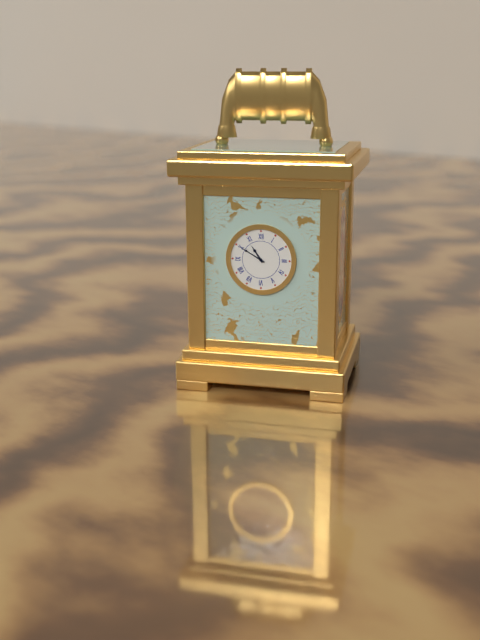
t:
10:50
